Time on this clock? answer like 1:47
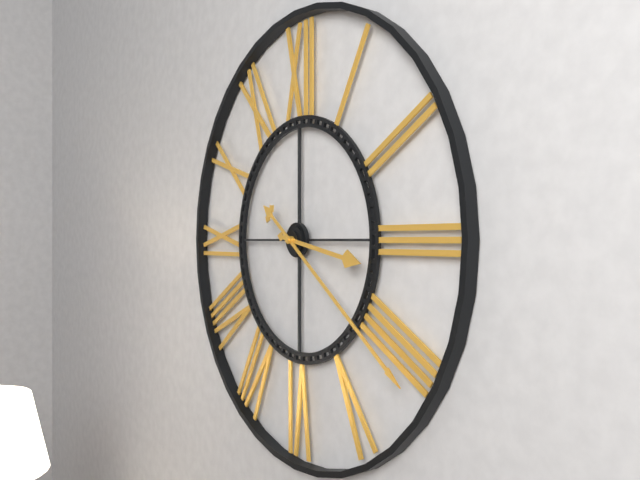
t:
3:21
